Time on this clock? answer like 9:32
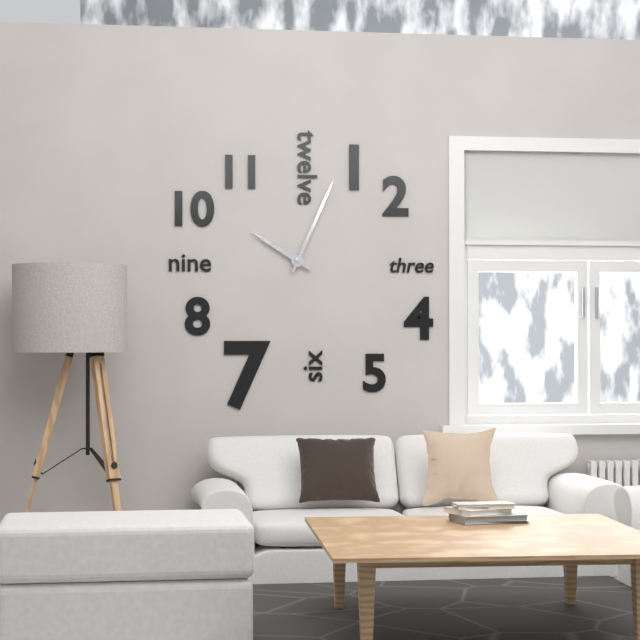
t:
10:04
